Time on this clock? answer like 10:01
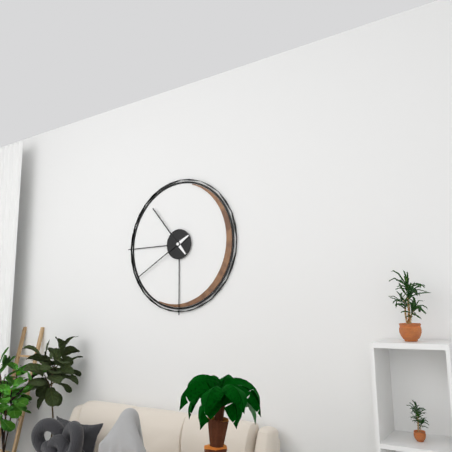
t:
10:40
